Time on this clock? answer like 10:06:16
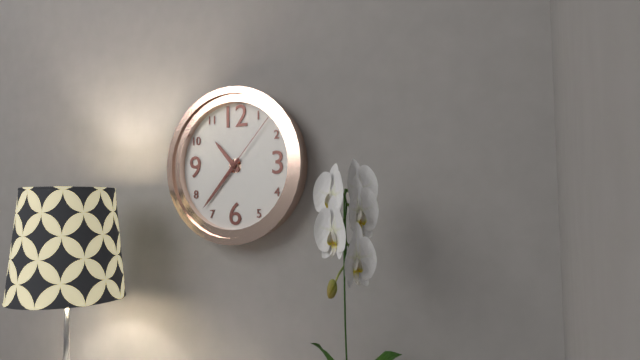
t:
10:37:07
